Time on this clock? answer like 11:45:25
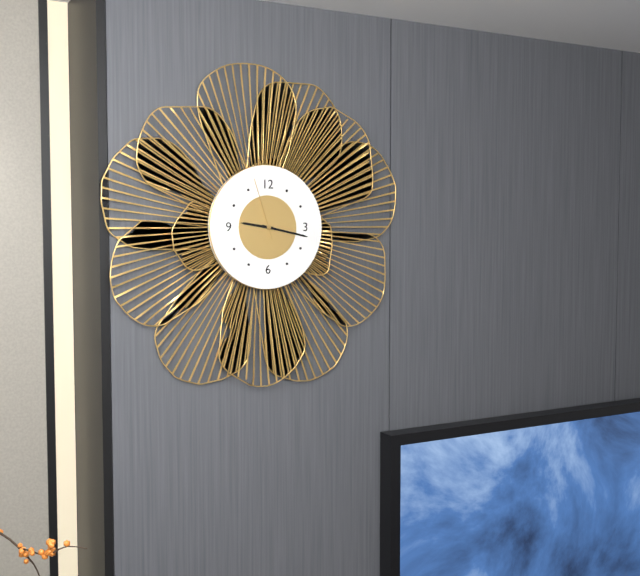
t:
9:17:57
